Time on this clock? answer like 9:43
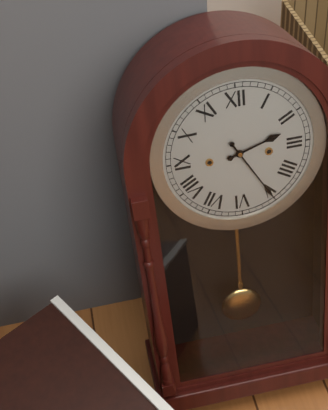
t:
2:25
